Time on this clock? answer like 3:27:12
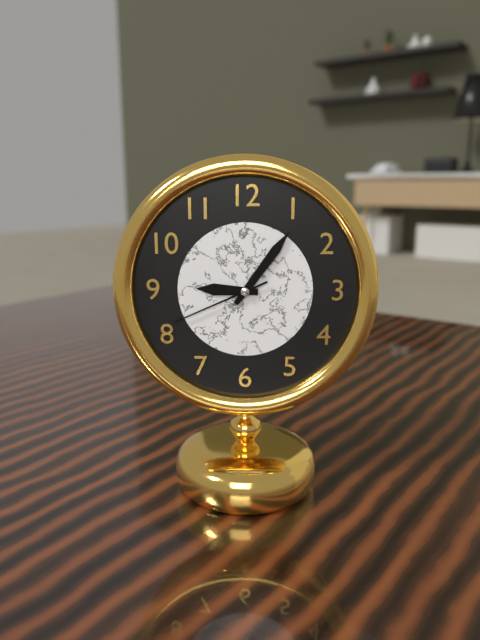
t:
9:06:41
